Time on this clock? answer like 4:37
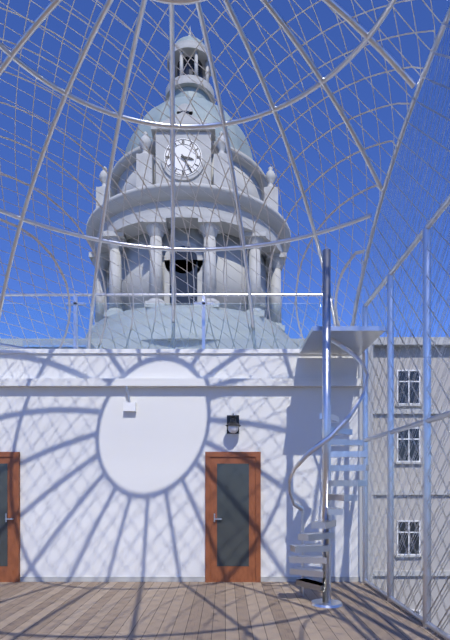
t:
3:25
